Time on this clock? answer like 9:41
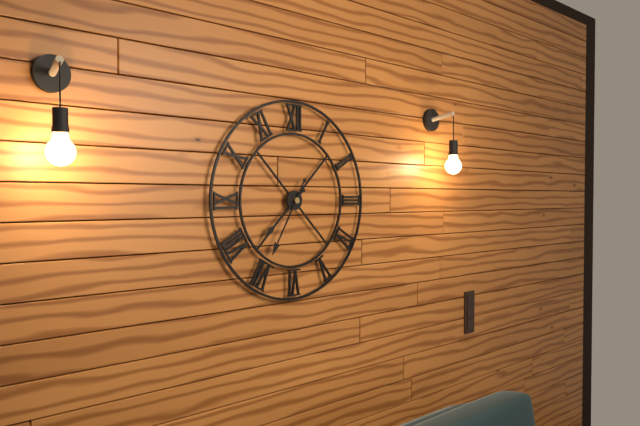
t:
7:35
